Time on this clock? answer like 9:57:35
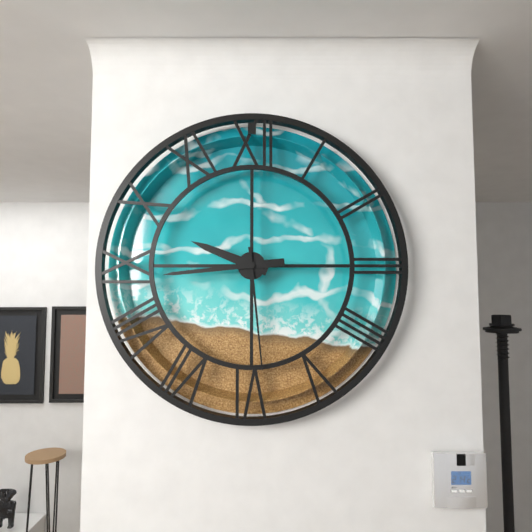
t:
9:44:29
